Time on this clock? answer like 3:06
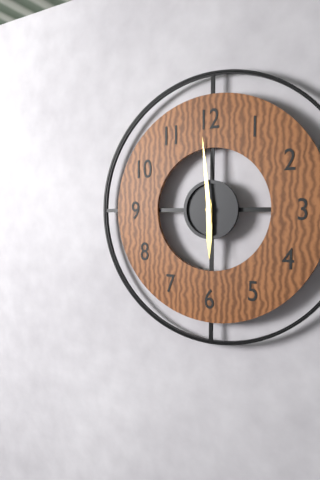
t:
5:59
